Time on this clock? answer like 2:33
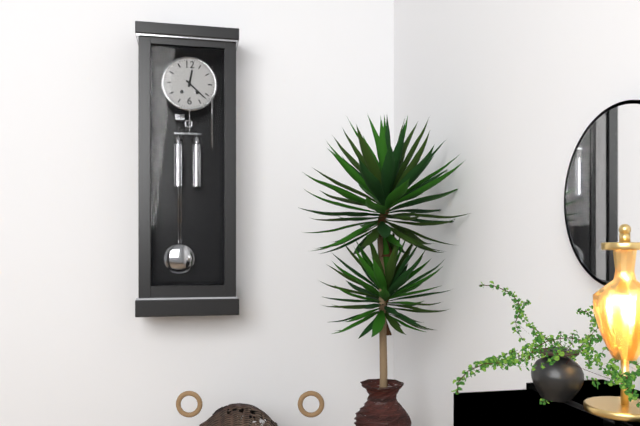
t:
12:22
